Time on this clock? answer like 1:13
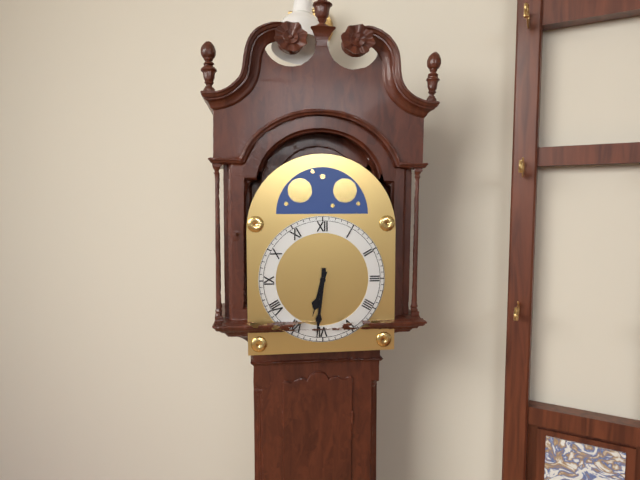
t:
6:31
